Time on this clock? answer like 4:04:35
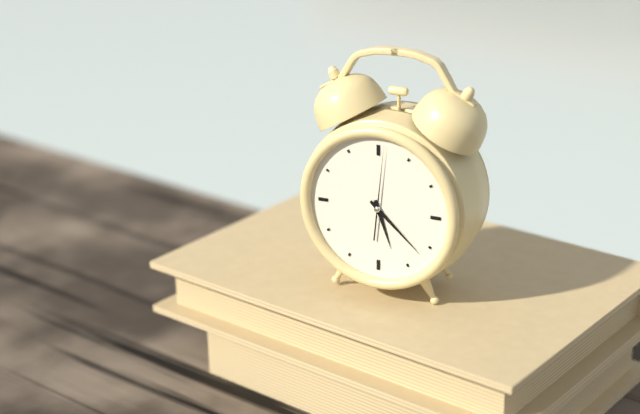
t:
5:22:01
